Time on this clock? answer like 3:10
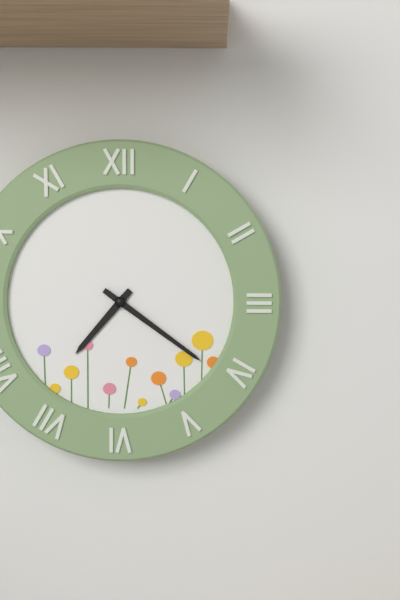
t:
7:21
